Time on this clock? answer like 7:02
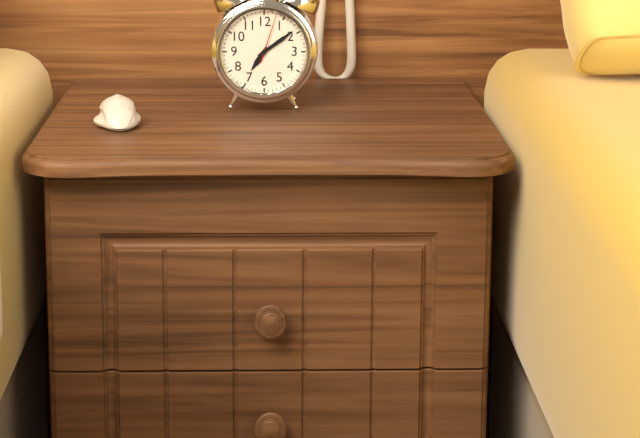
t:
7:09
